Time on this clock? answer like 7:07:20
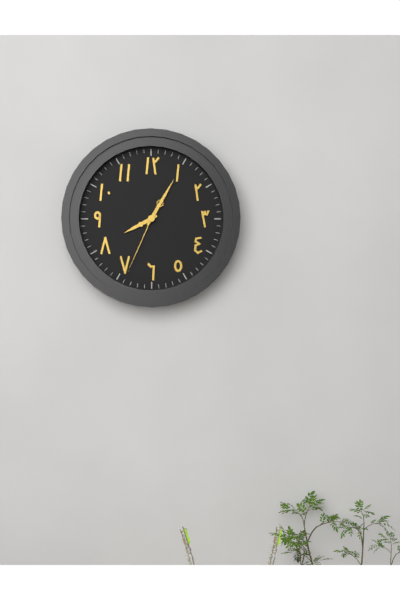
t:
8:05:34
